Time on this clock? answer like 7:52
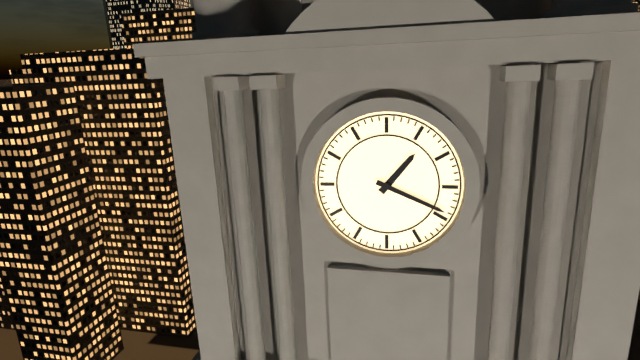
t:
1:19
